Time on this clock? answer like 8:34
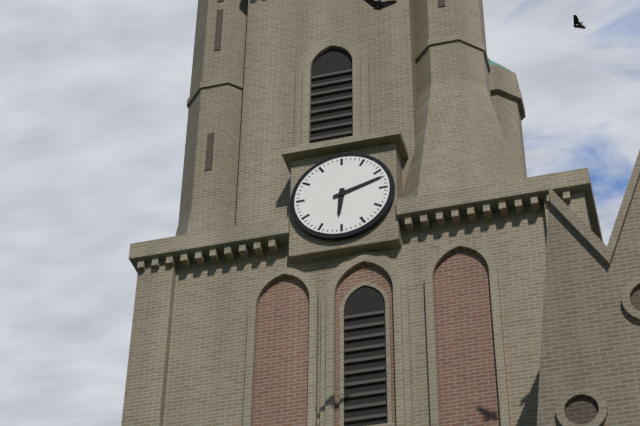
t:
6:12
